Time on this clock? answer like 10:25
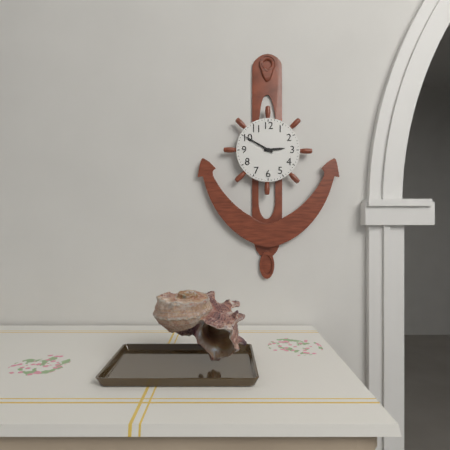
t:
2:50
